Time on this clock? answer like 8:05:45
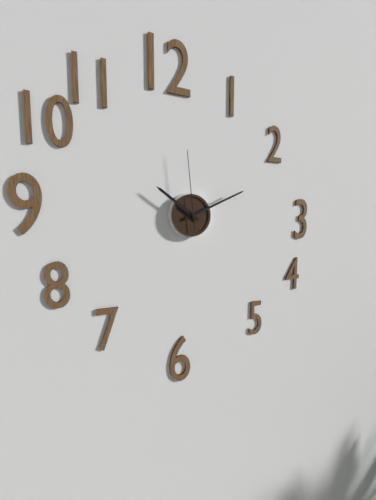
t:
10:11:59
